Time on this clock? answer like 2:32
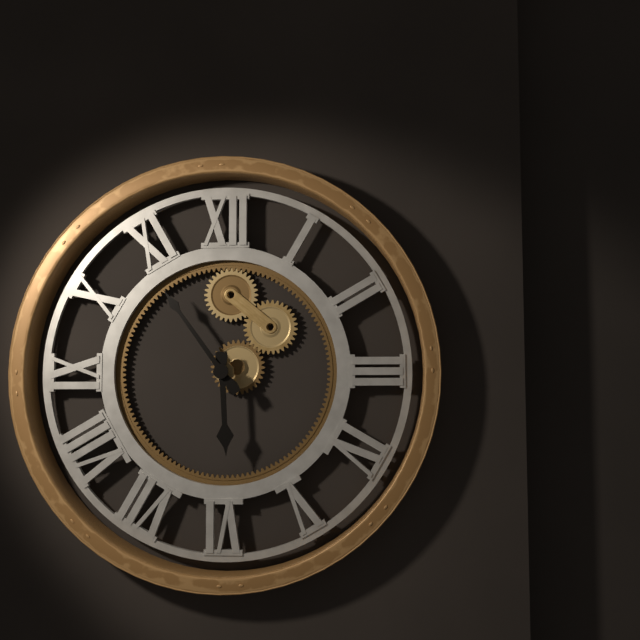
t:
5:54
